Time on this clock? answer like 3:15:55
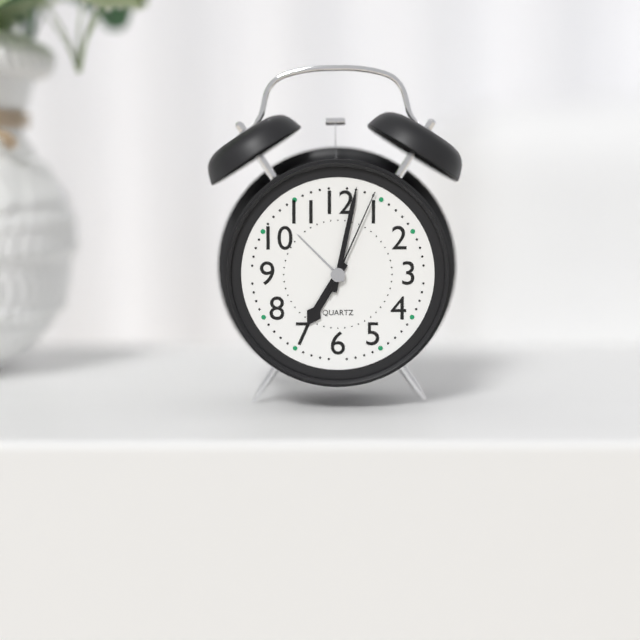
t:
7:02:04
